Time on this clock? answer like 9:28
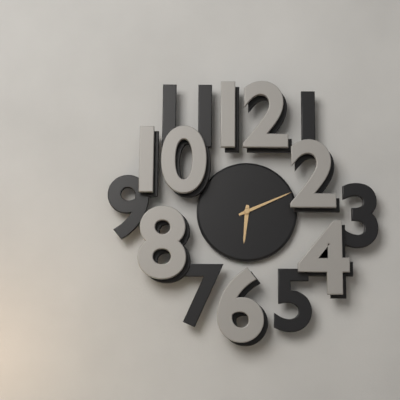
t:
6:11
